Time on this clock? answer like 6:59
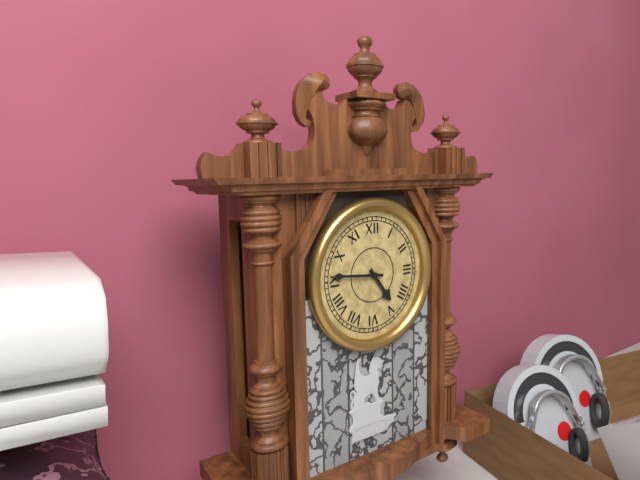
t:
4:46
